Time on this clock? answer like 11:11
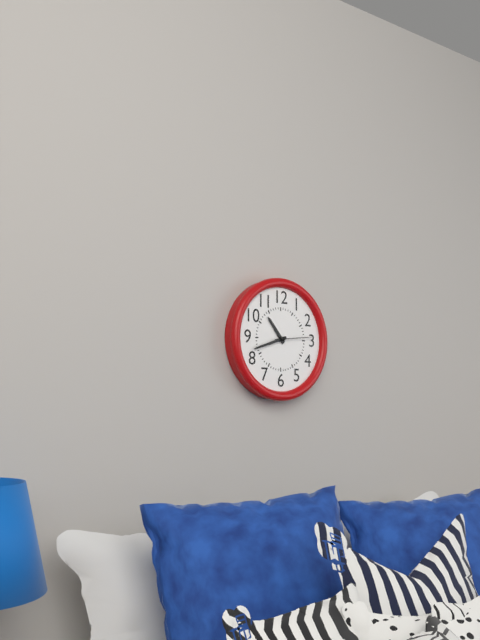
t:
10:42
